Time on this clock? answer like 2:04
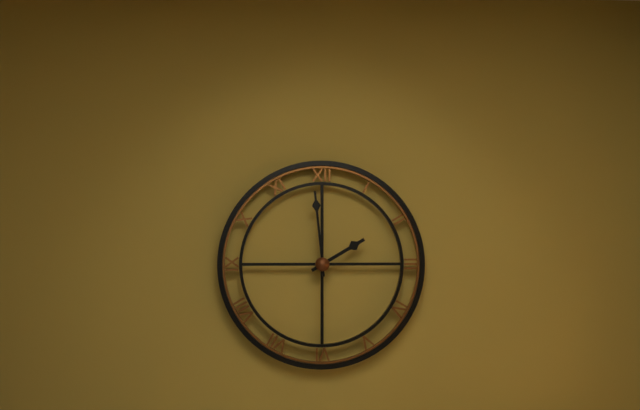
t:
1:59
